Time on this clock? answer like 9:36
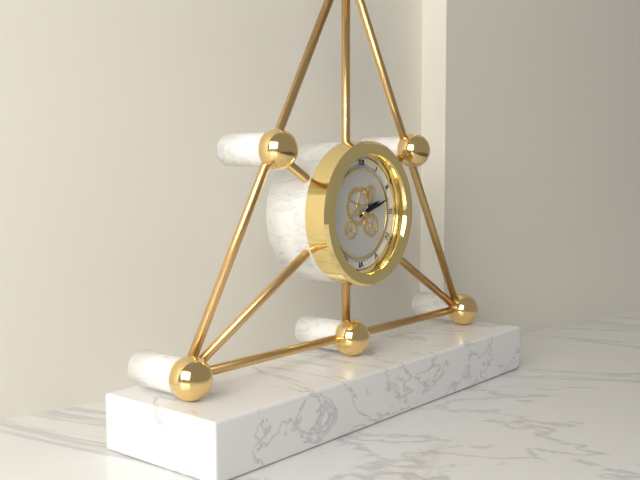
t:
2:12
